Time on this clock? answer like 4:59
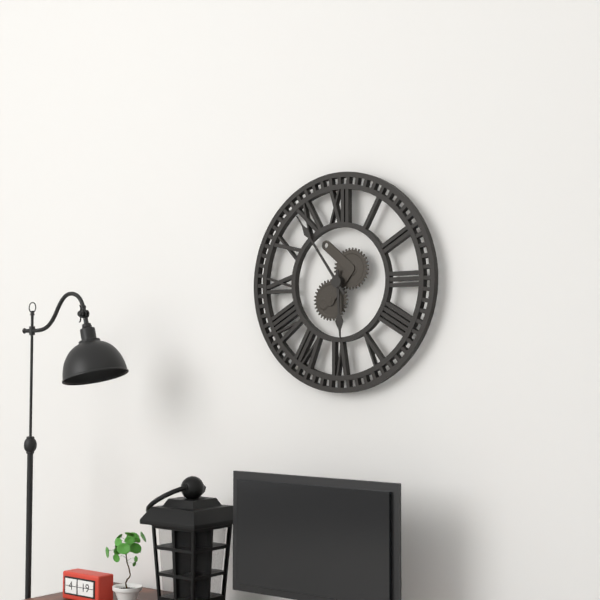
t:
5:54
